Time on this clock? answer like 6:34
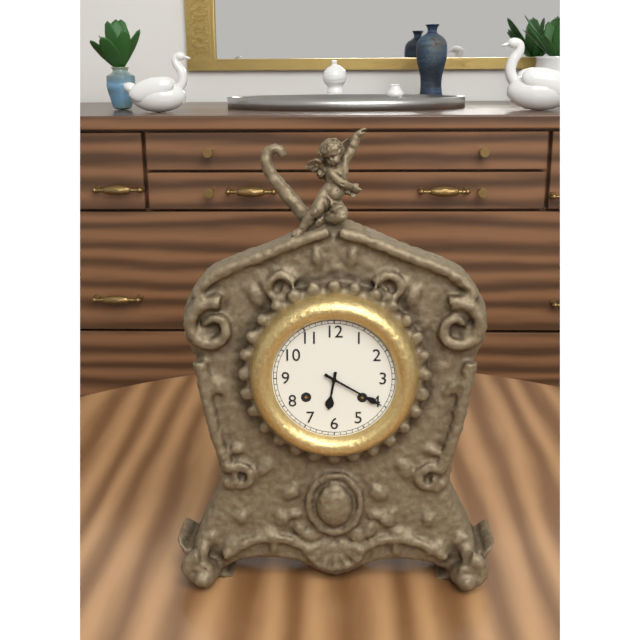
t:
6:20
